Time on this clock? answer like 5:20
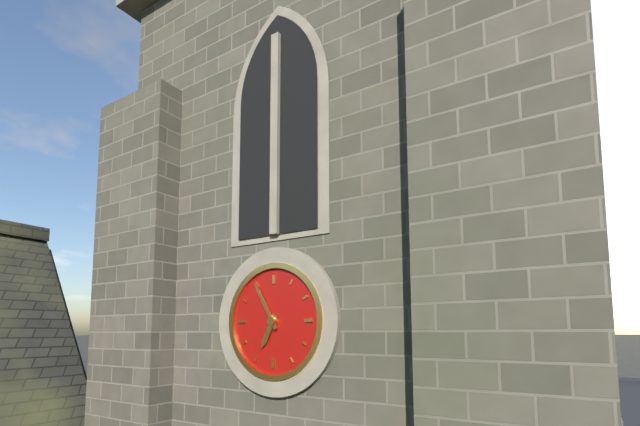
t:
6:55
